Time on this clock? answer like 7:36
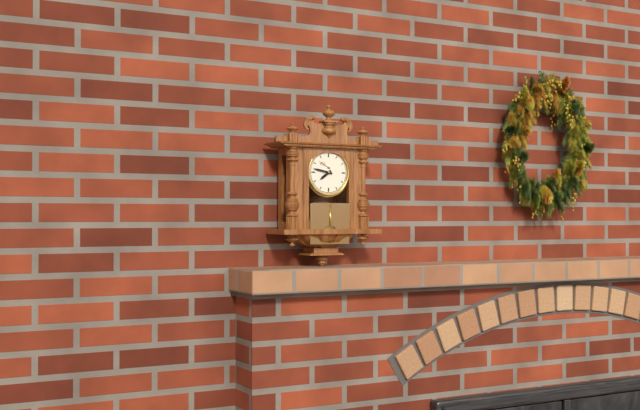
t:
7:47
